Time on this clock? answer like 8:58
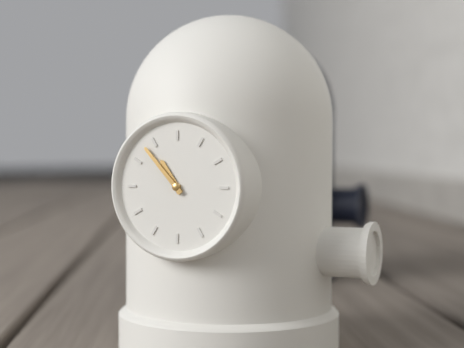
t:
10:53
